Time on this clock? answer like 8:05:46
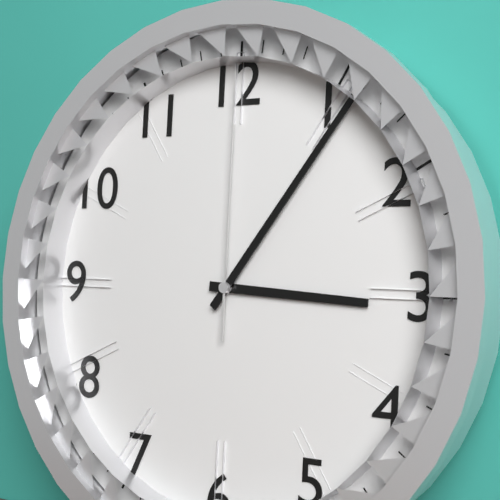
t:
3:06:00
